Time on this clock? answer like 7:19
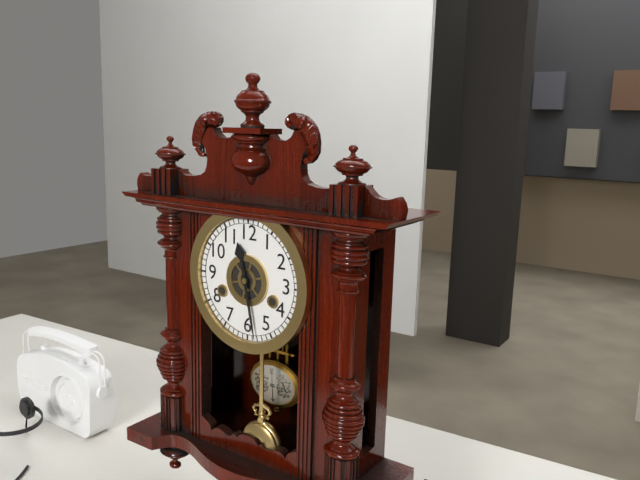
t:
11:28
